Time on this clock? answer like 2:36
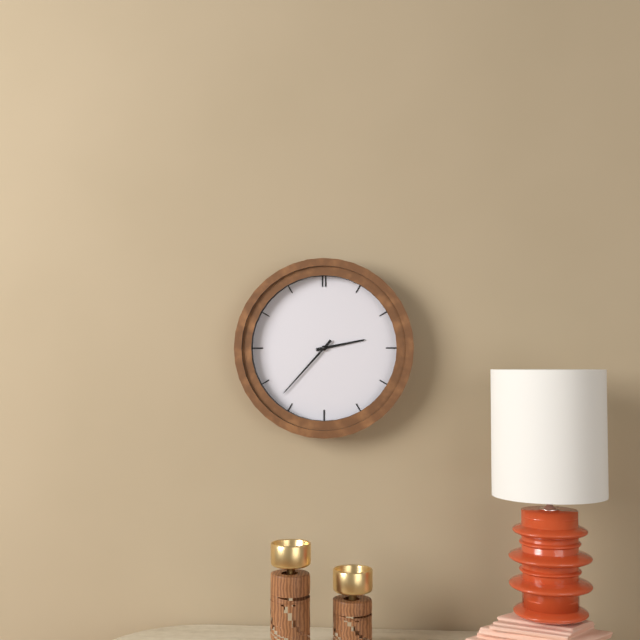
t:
2:37
